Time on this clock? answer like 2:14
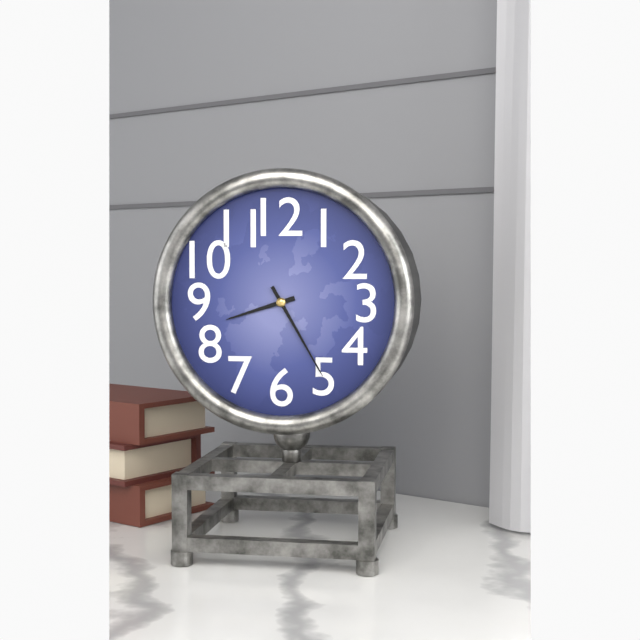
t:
8:25
